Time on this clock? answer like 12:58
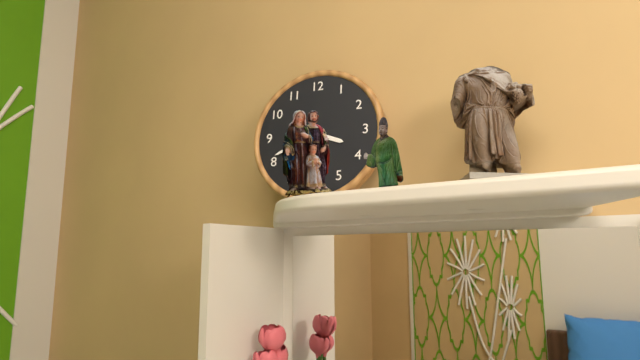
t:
3:41
